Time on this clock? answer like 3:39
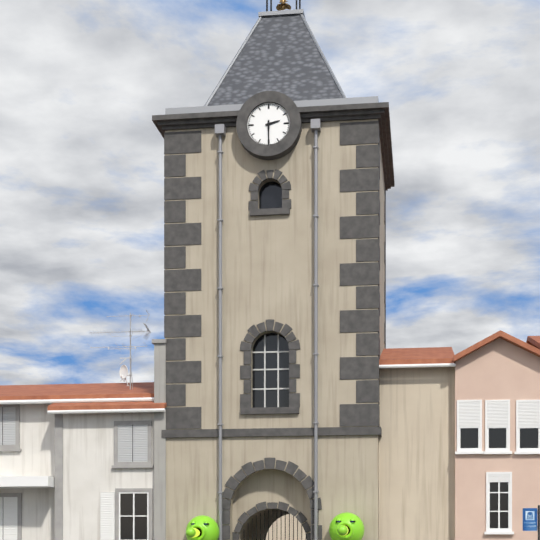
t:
2:30
